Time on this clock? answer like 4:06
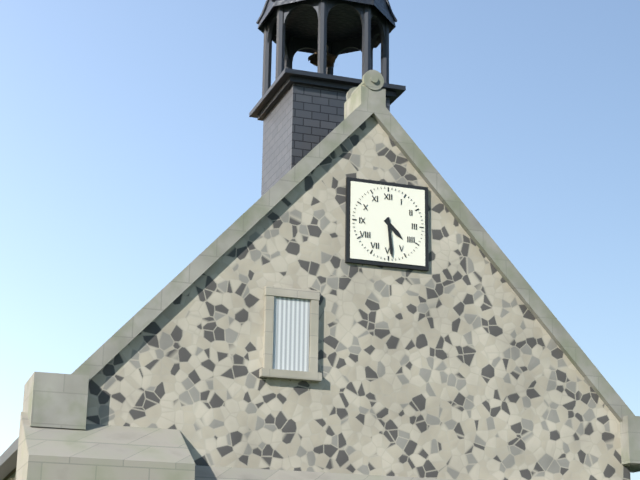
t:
4:29
